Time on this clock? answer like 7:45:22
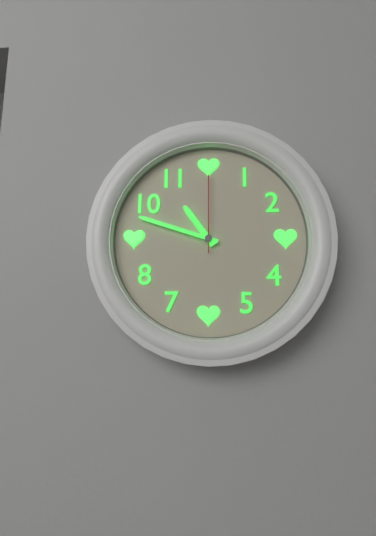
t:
10:48:00
